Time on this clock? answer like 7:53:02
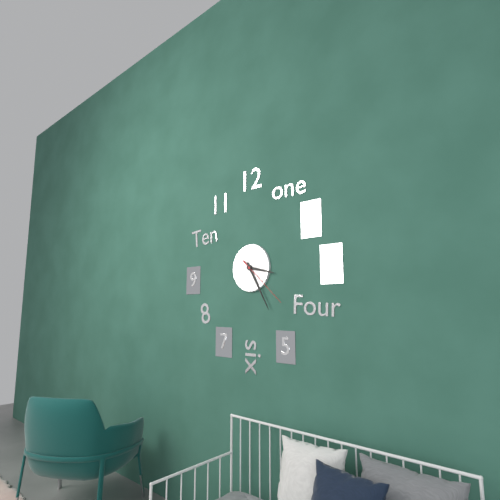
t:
3:25:22
